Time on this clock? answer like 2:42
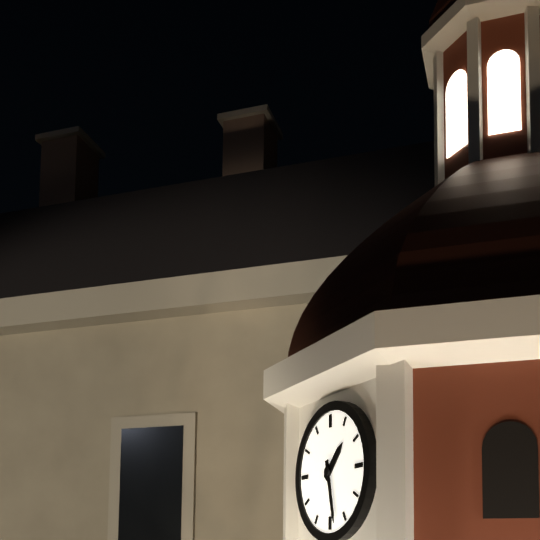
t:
1:28
